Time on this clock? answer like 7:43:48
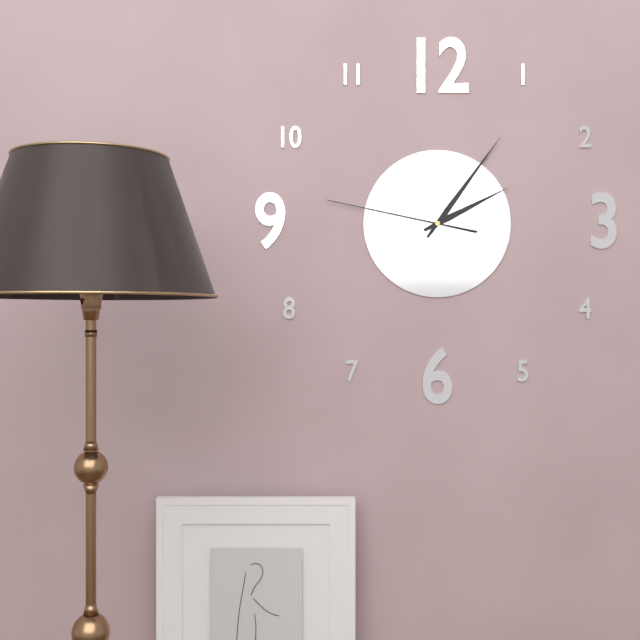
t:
2:06:47
